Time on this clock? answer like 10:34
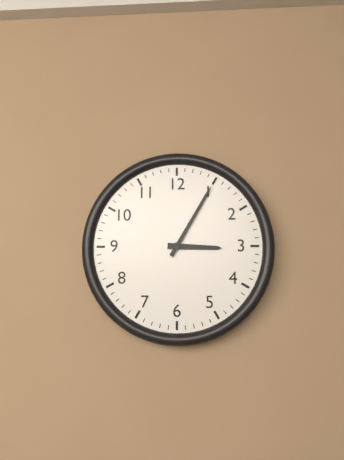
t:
3:05
